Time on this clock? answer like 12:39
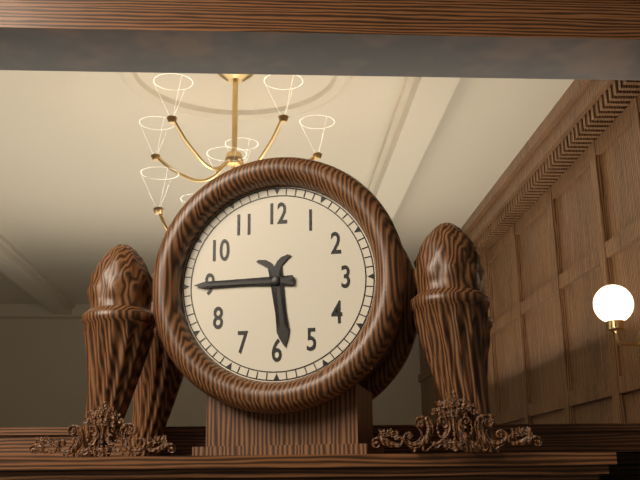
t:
5:45
